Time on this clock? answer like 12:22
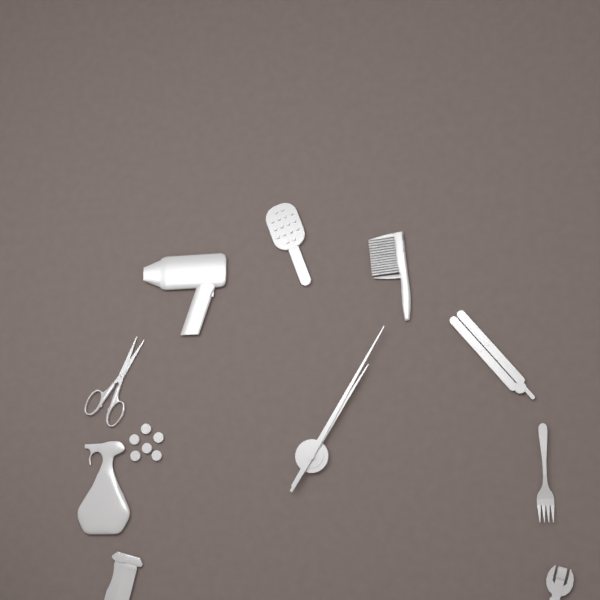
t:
1:05
